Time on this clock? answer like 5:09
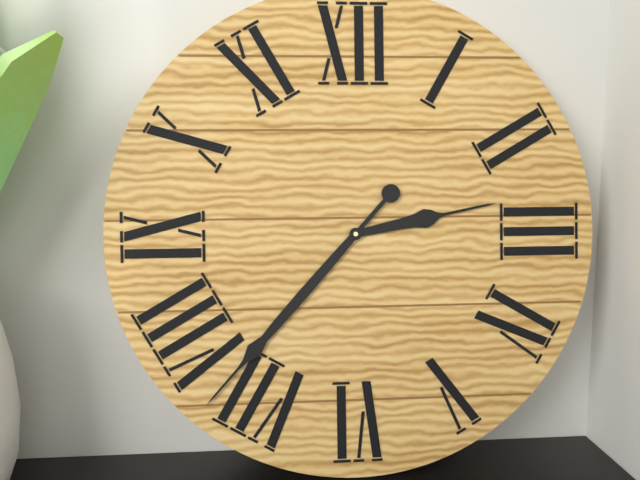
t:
2:37
